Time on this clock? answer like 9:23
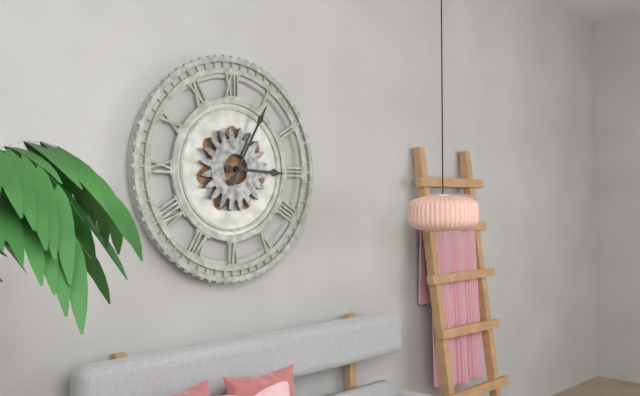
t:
3:05
